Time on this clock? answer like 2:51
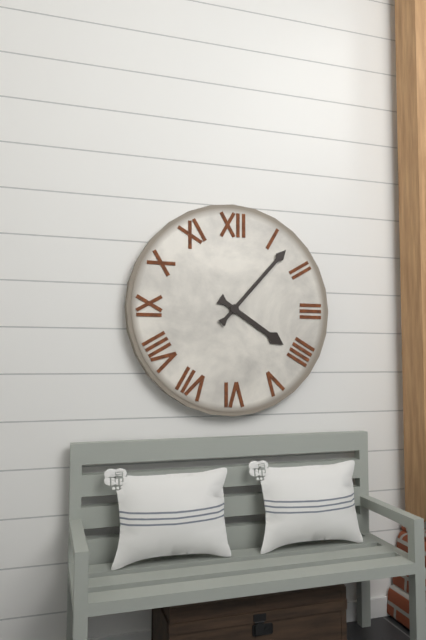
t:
4:07
